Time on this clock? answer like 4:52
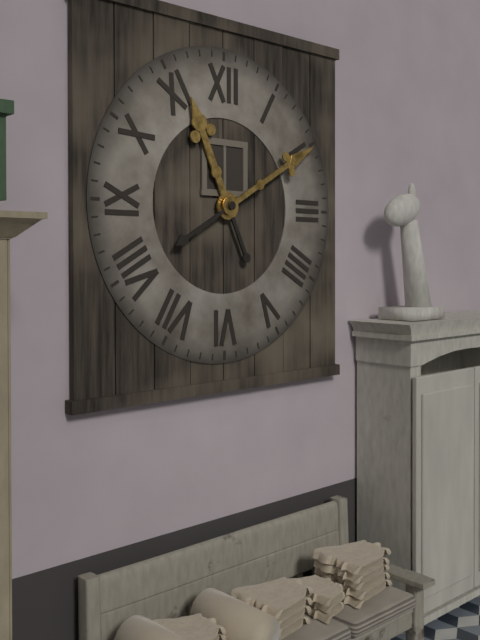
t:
11:10
